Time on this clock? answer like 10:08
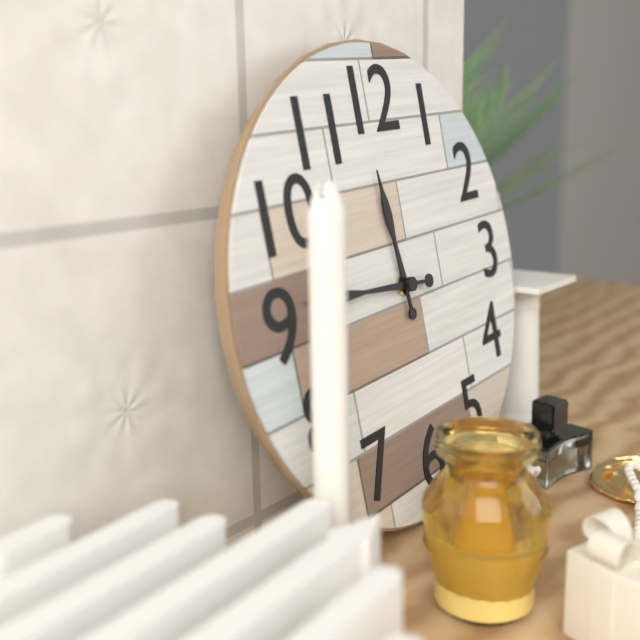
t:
11:46
